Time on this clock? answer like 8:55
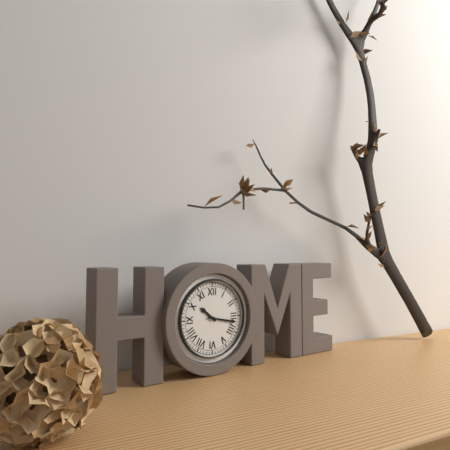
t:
10:17
